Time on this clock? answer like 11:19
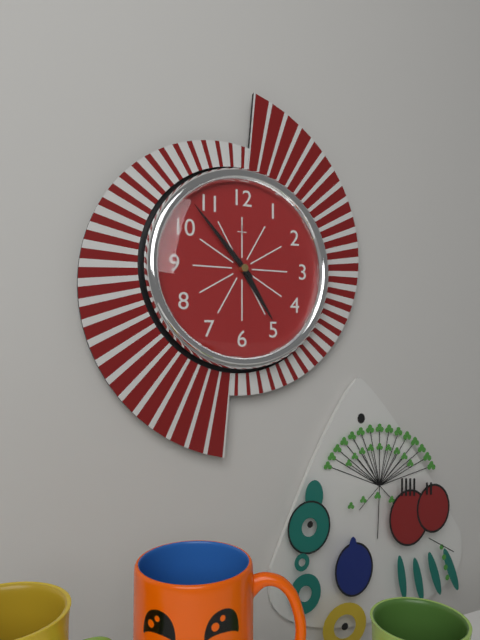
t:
4:53
